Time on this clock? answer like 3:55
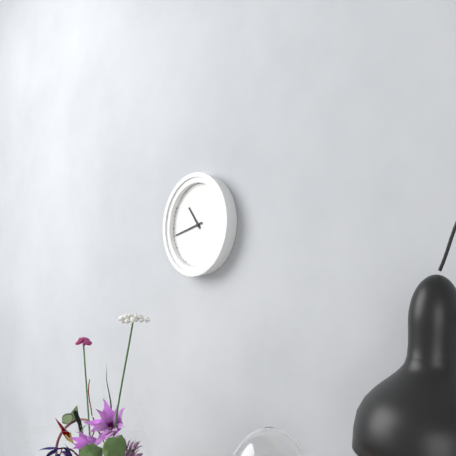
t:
10:43
